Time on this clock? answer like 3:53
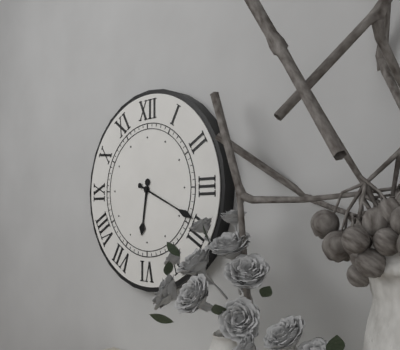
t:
6:19
